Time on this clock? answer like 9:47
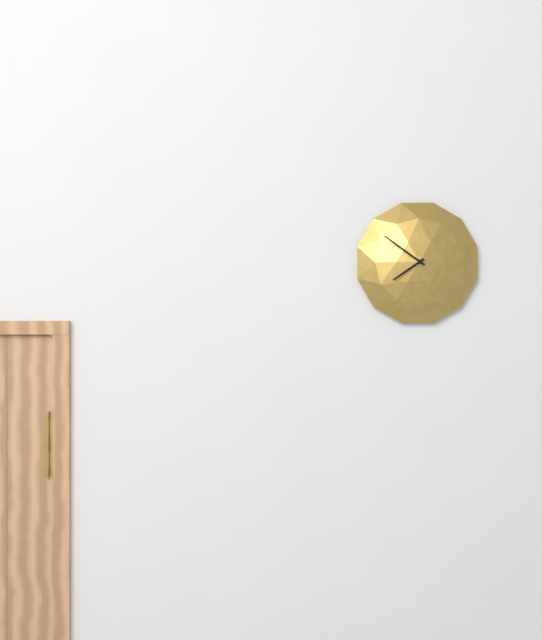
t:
7:51
